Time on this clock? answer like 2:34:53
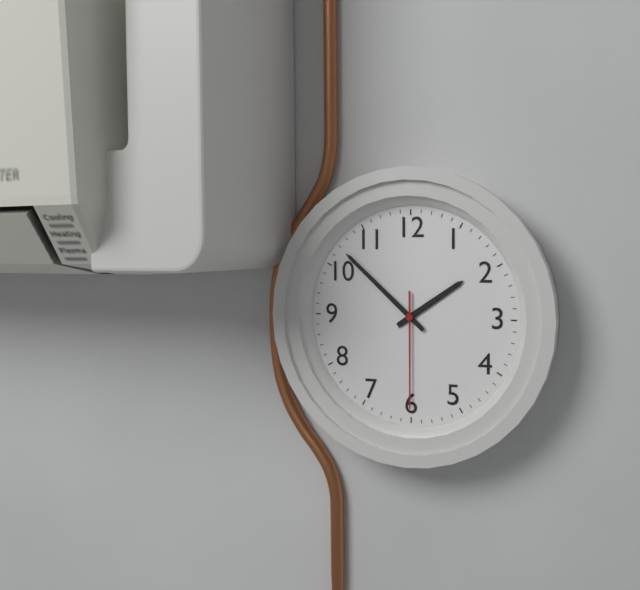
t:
1:52:30
